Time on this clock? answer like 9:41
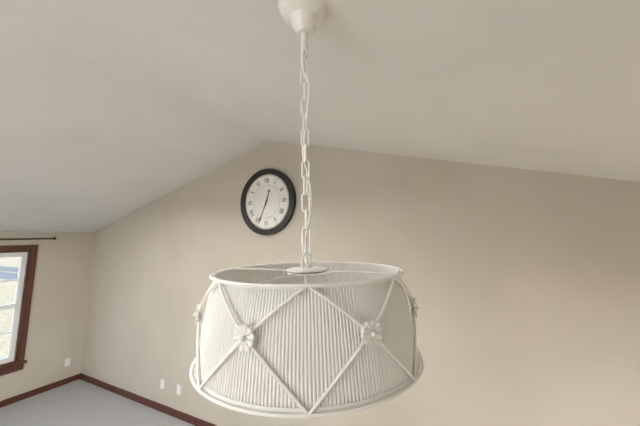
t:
12:34
